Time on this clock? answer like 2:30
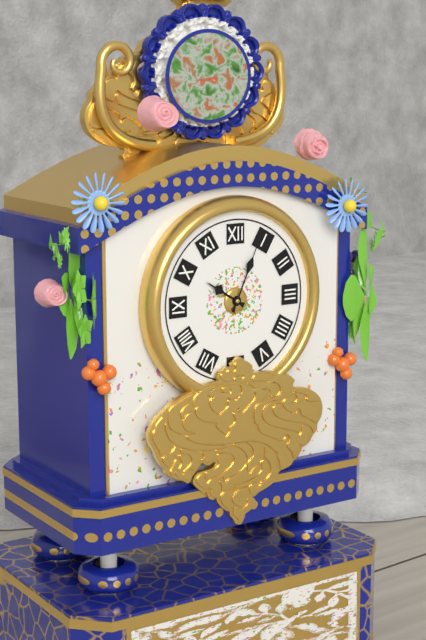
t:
10:04
